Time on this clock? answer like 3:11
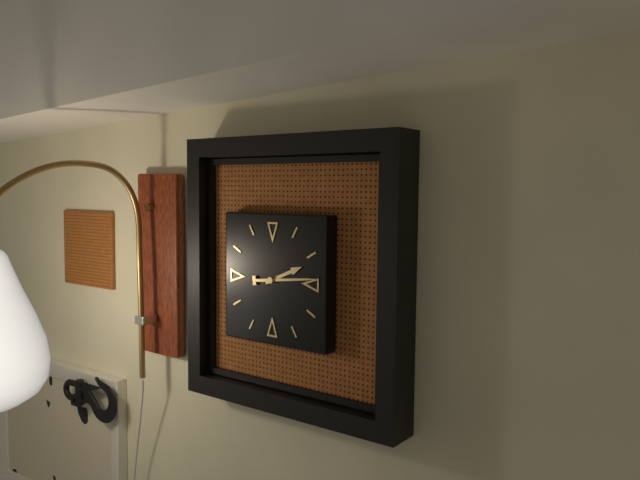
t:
2:14
